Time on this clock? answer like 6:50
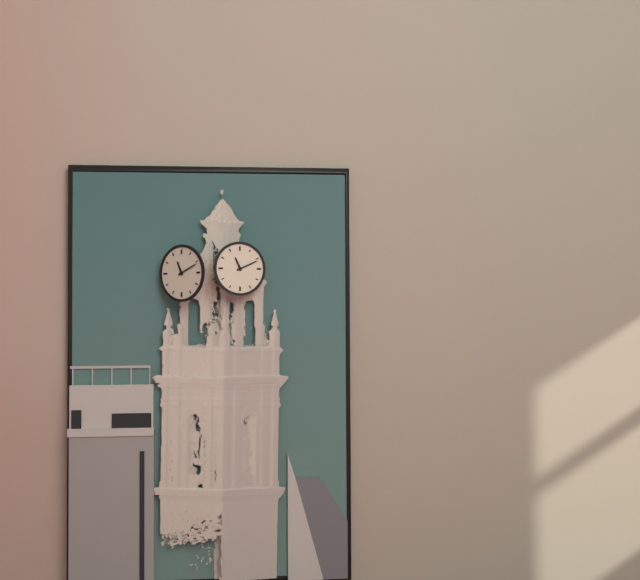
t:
11:11
